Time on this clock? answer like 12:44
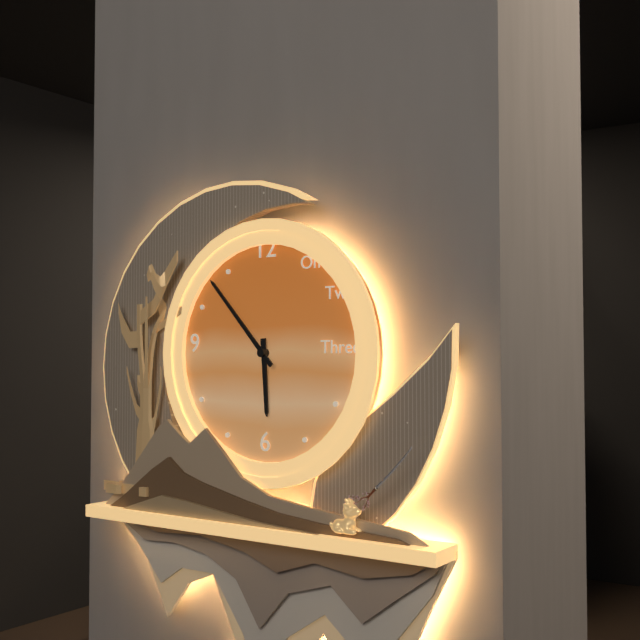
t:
5:53
